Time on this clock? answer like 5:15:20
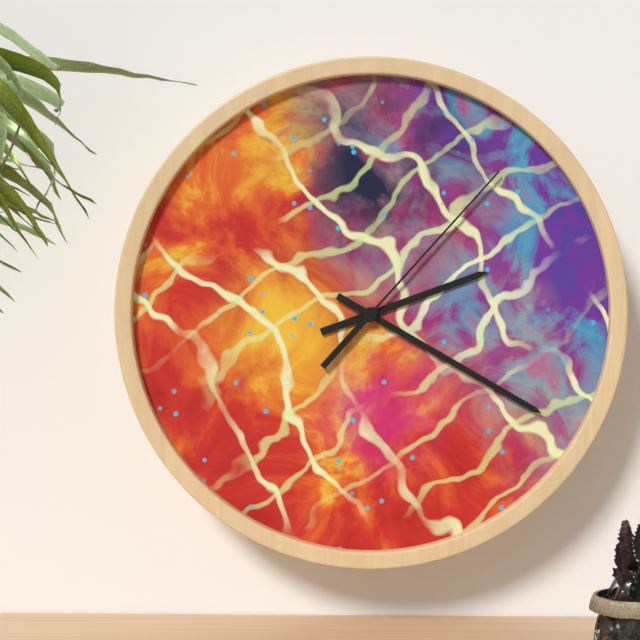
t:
2:20:07
